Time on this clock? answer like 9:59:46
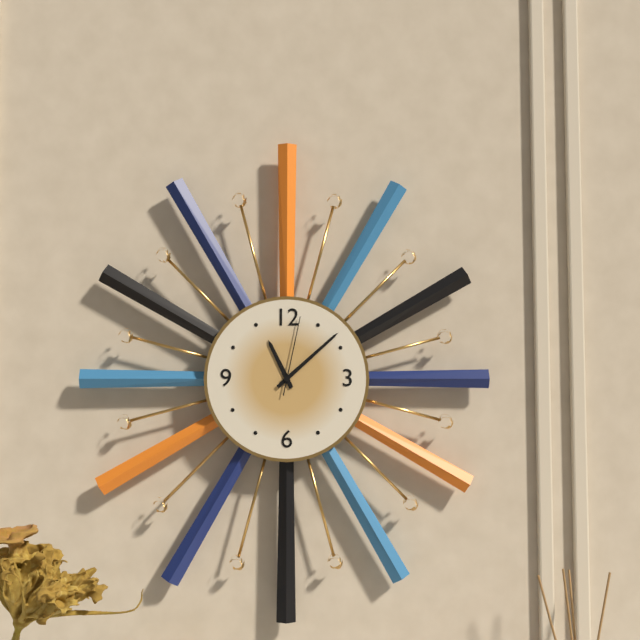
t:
11:08:02
